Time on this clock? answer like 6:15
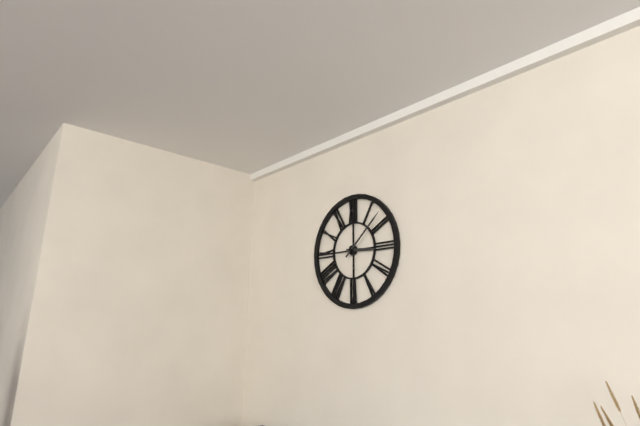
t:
3:08
